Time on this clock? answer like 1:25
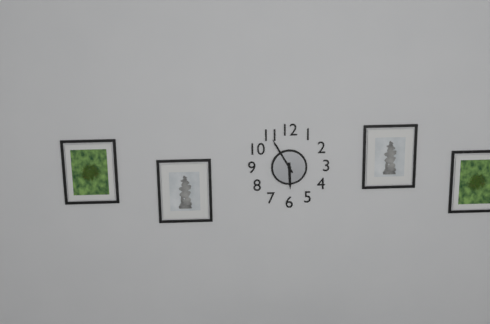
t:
5:55
